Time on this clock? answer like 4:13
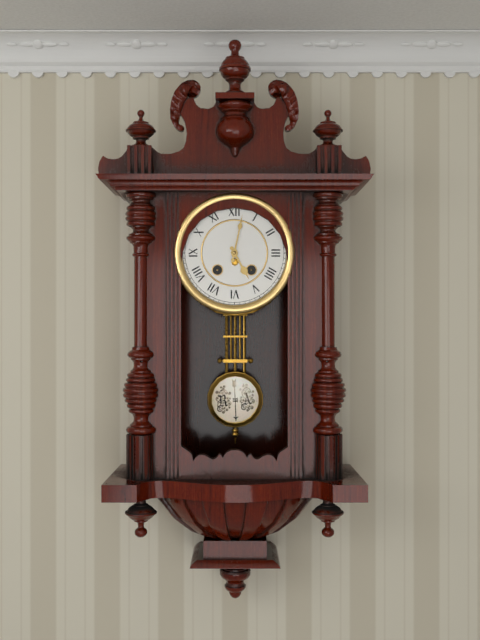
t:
5:02
